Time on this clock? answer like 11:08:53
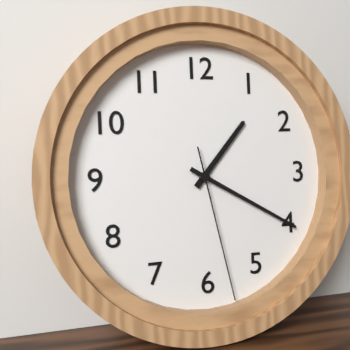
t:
1:20:28
